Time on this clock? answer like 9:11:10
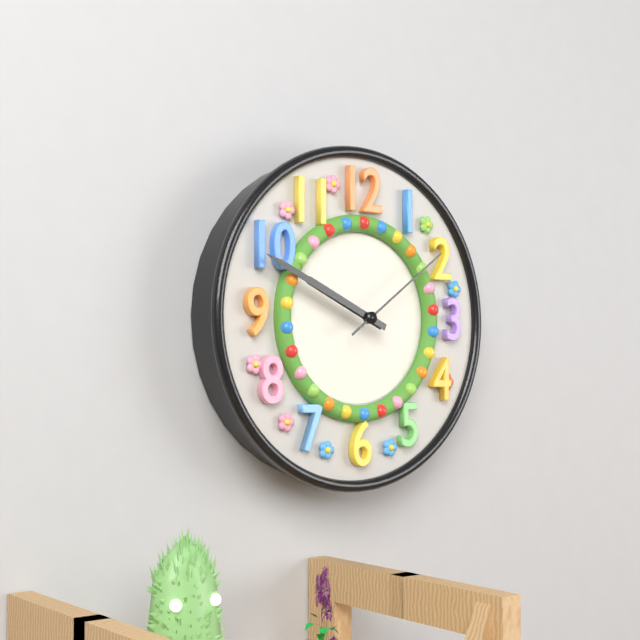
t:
9:49:09
